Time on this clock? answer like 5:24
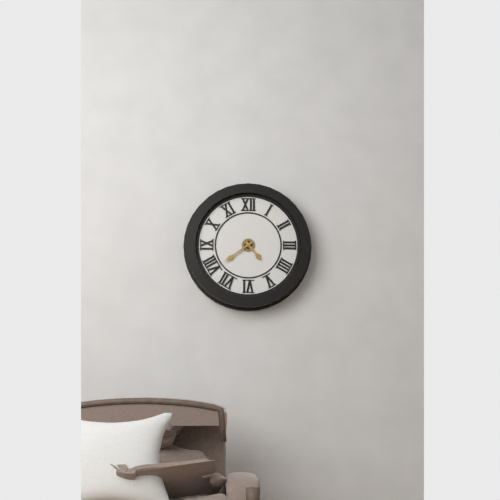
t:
4:39
